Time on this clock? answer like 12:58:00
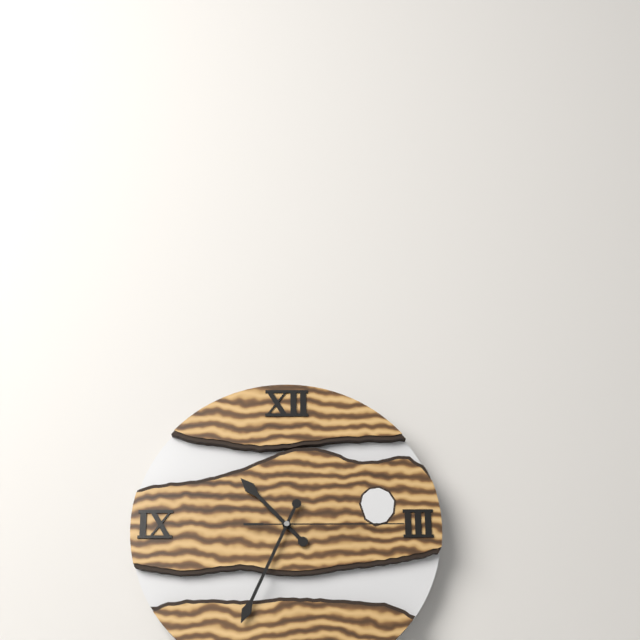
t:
10:34:15
